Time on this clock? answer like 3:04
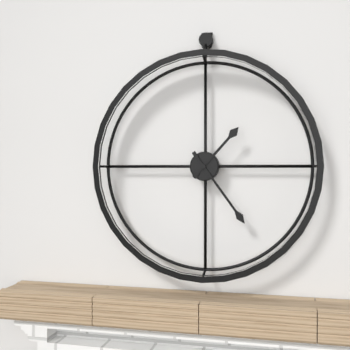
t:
1:24
